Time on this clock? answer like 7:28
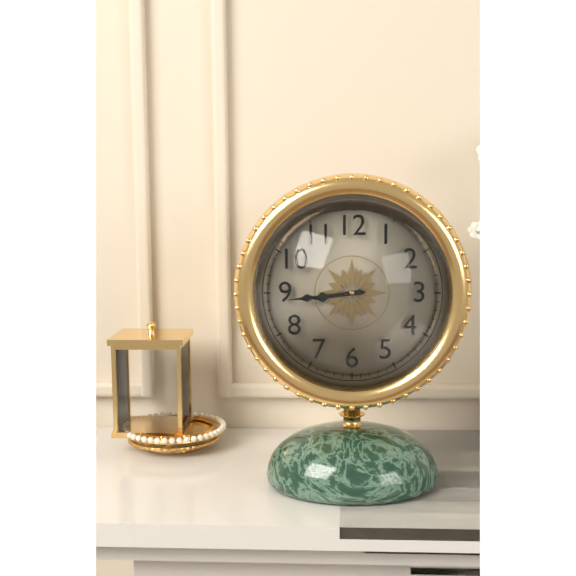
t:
8:44
